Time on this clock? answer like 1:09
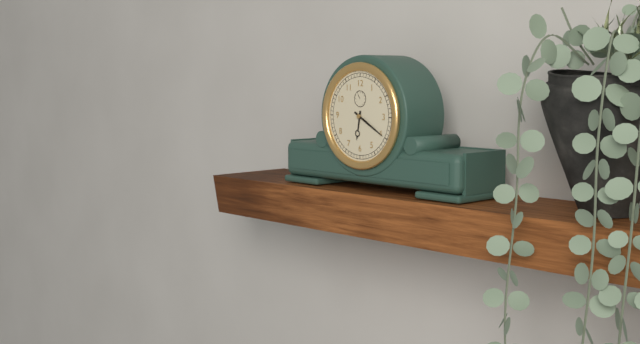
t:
6:20
